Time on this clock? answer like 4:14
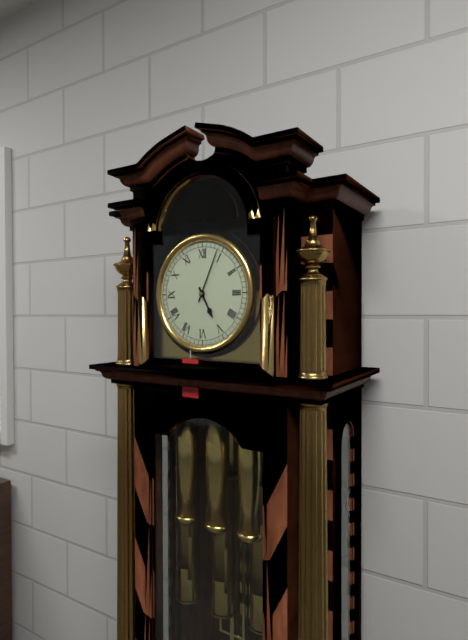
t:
5:04
